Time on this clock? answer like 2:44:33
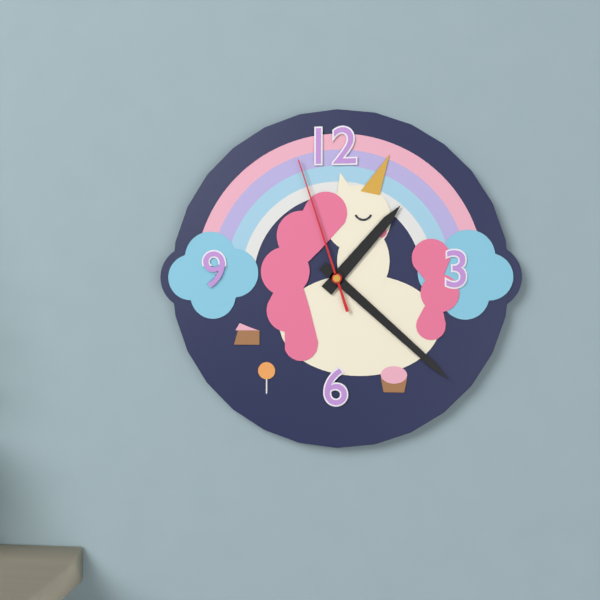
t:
1:22:57
